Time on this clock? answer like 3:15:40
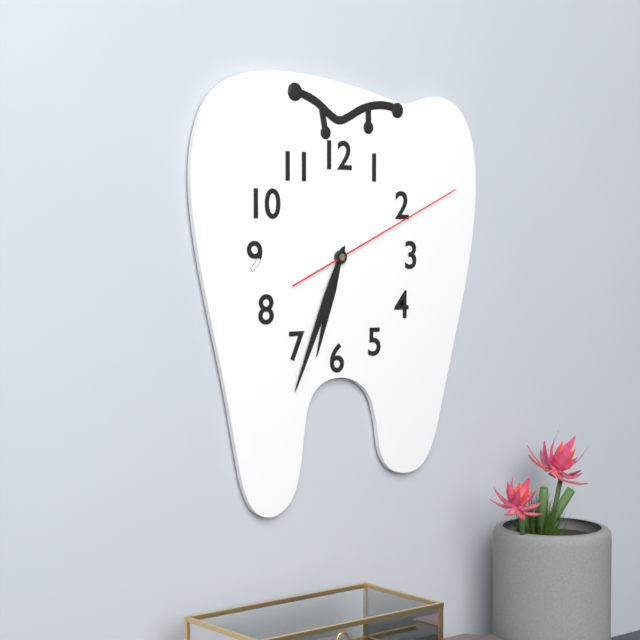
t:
6:34:11
